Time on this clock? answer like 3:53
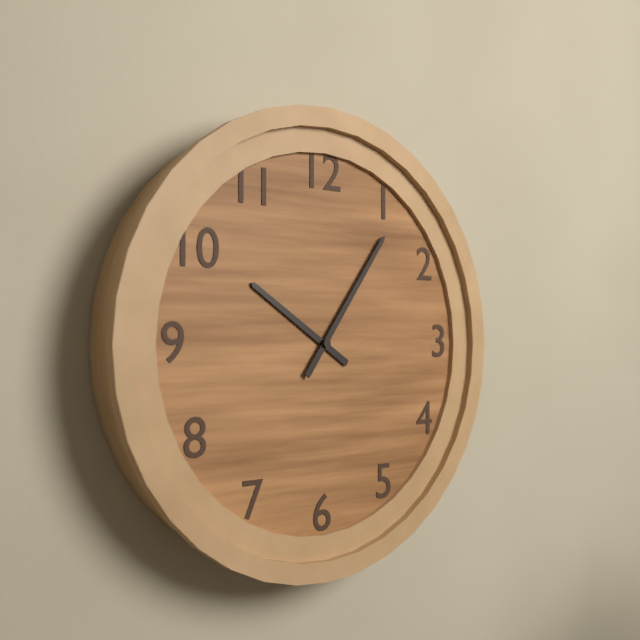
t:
10:06
